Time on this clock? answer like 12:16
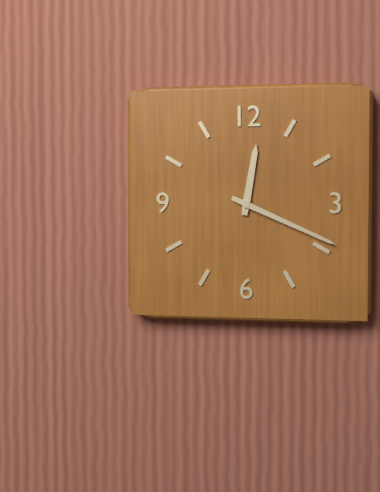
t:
12:19
